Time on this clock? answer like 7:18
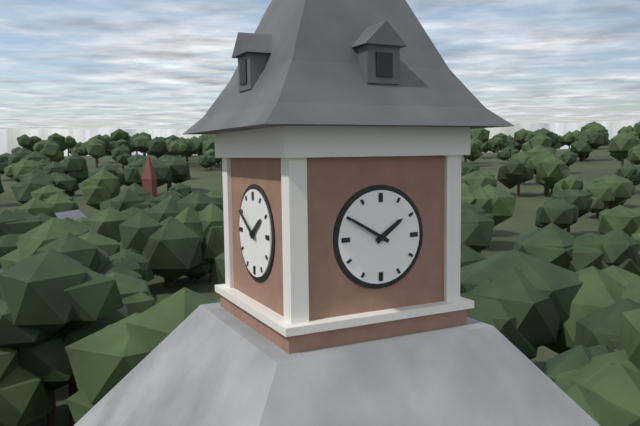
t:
1:50
